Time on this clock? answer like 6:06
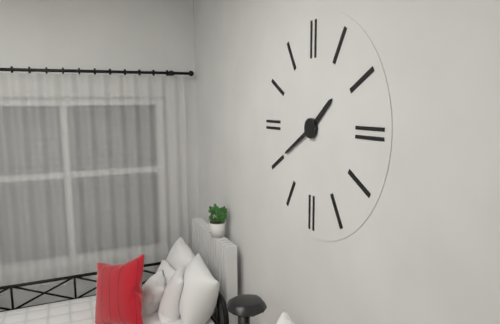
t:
1:40
